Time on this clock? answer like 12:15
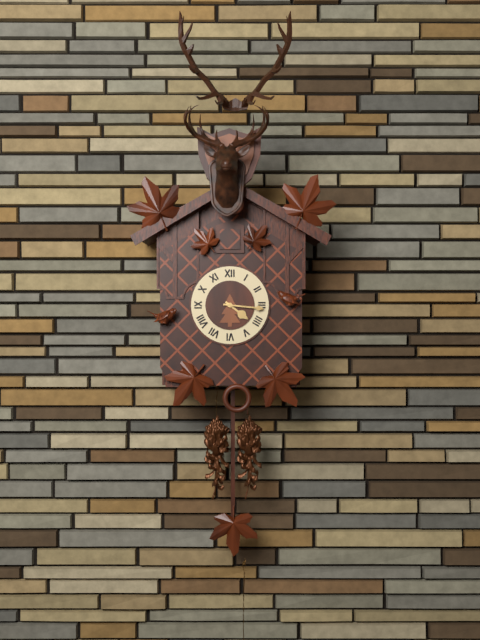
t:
4:16
